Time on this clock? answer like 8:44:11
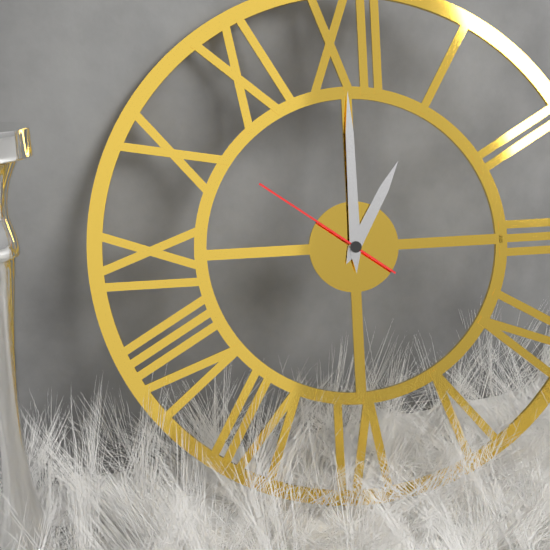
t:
1:00:51
